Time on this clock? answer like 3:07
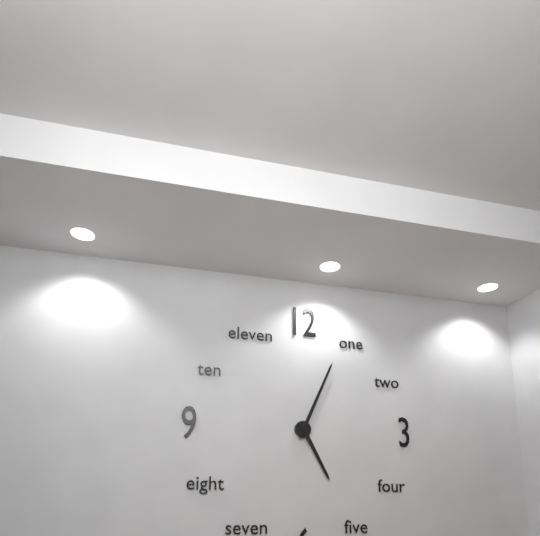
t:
5:04
